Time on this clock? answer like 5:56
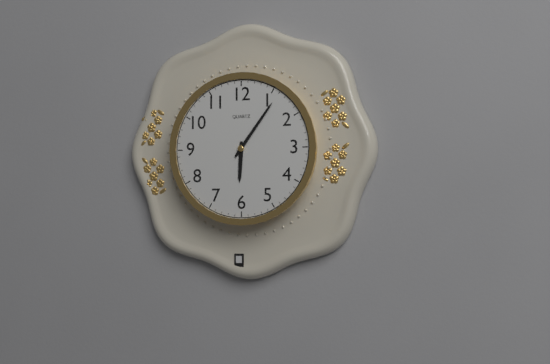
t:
6:06
